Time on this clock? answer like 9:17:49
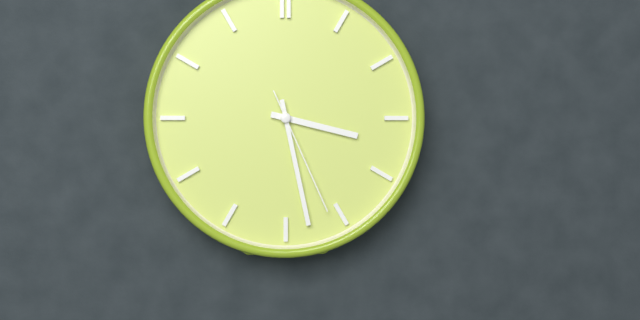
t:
3:28:26
